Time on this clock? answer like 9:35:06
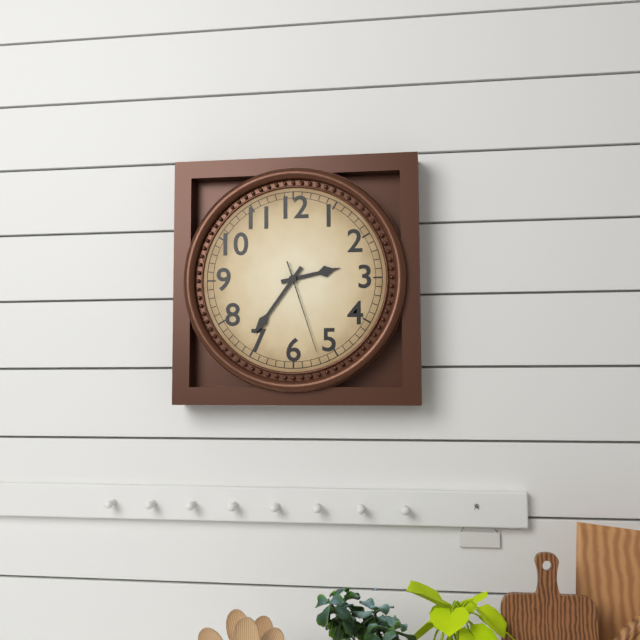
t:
2:36:27
